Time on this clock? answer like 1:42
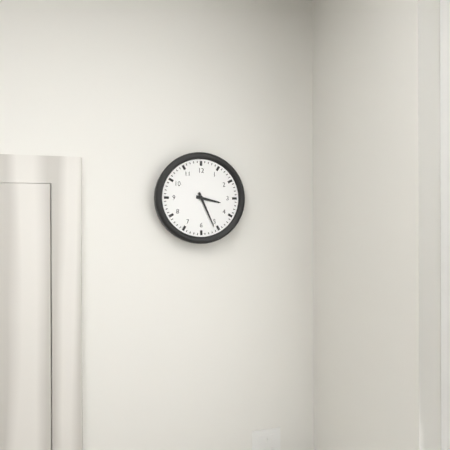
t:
3:26
